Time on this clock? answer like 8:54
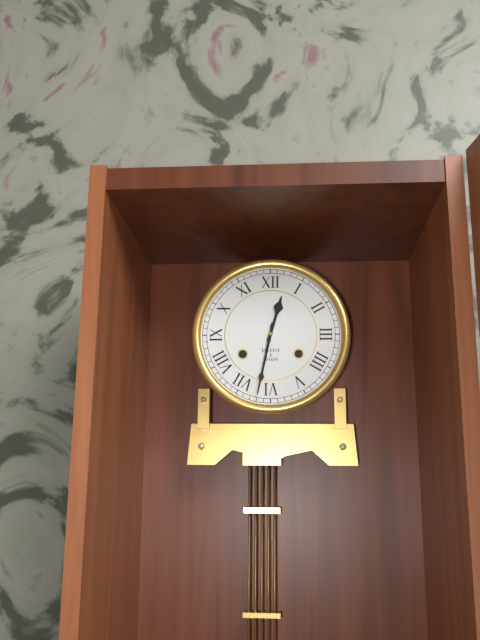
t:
12:32
